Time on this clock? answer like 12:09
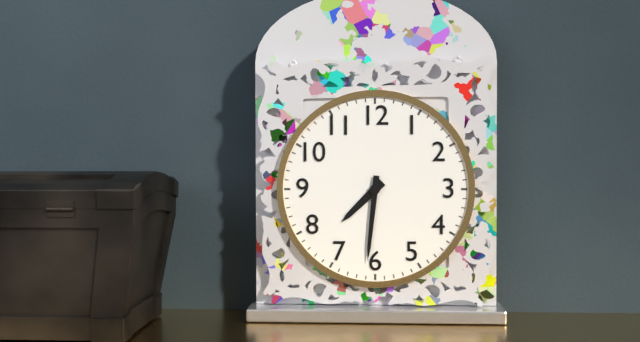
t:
7:31
